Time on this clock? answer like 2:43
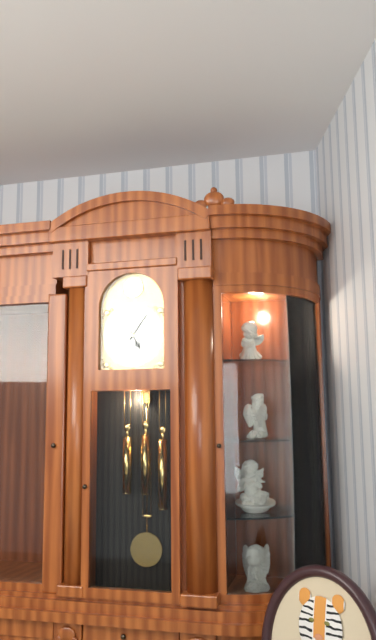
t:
5:06
